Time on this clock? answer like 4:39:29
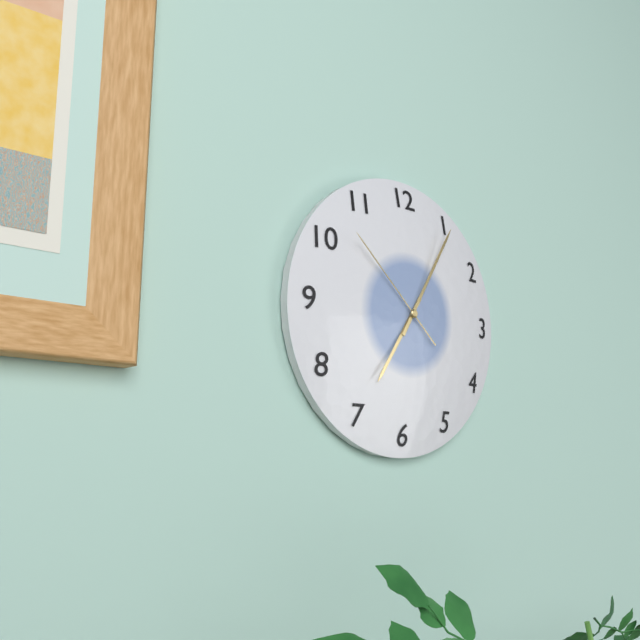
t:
7:05:52
